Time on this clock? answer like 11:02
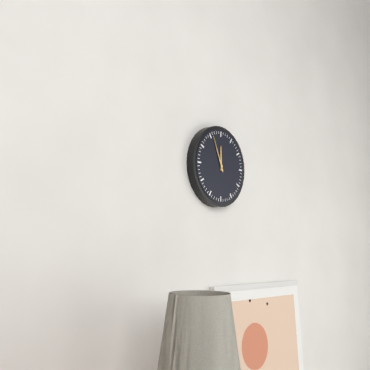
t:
11:56
